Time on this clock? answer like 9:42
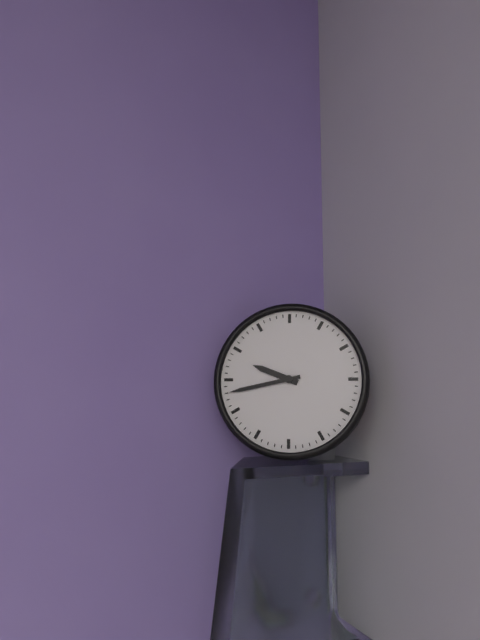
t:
9:43
